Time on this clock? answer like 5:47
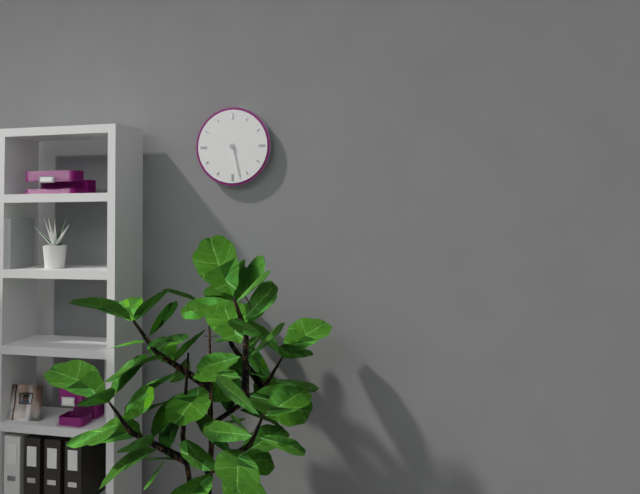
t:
10:28
